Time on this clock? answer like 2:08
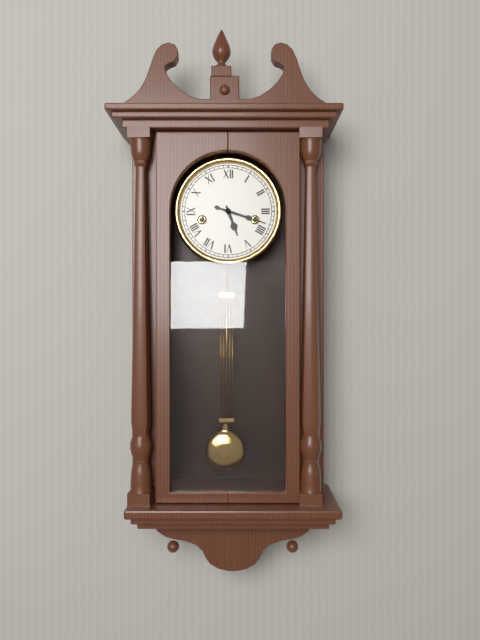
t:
5:18
